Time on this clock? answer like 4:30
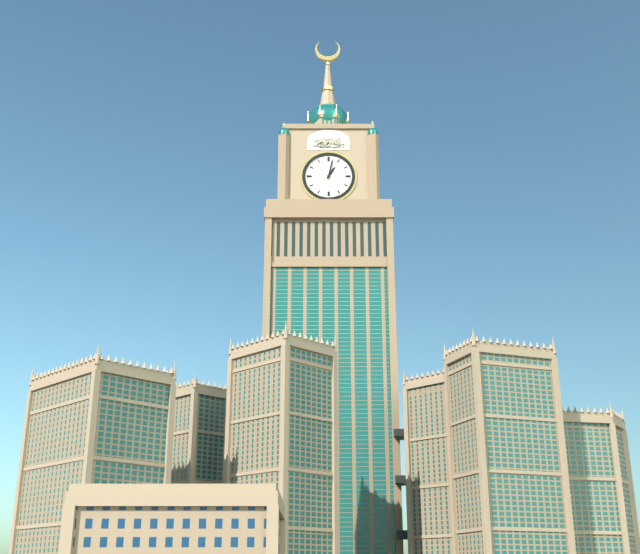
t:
1:02
